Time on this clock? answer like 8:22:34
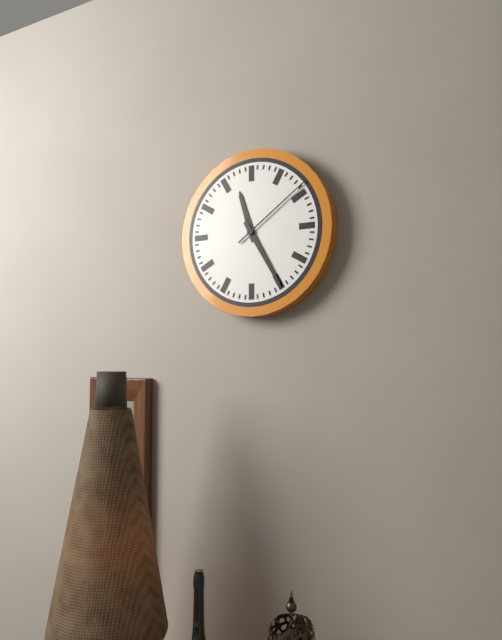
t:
11:25:09
